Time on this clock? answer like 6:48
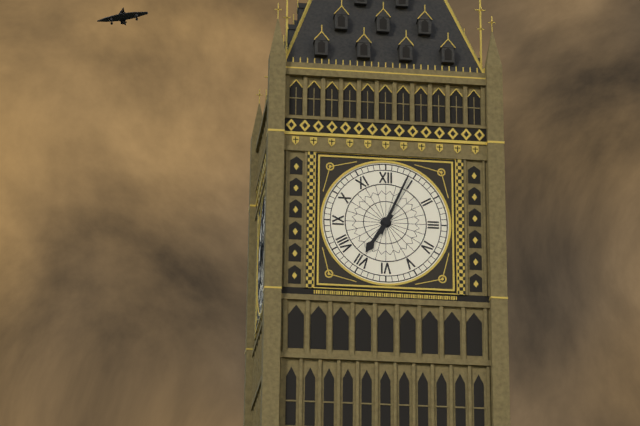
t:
7:04
